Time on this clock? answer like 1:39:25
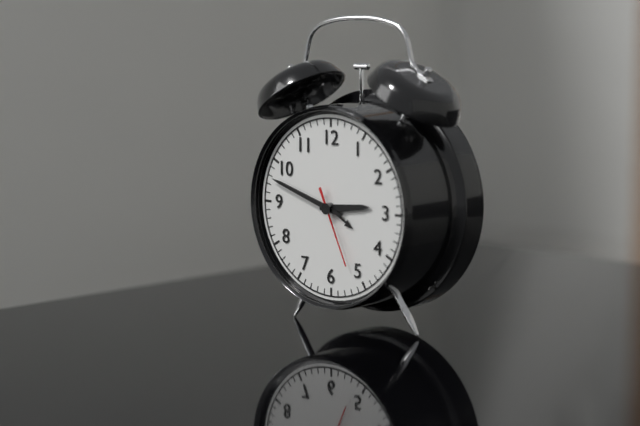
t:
2:48:26
